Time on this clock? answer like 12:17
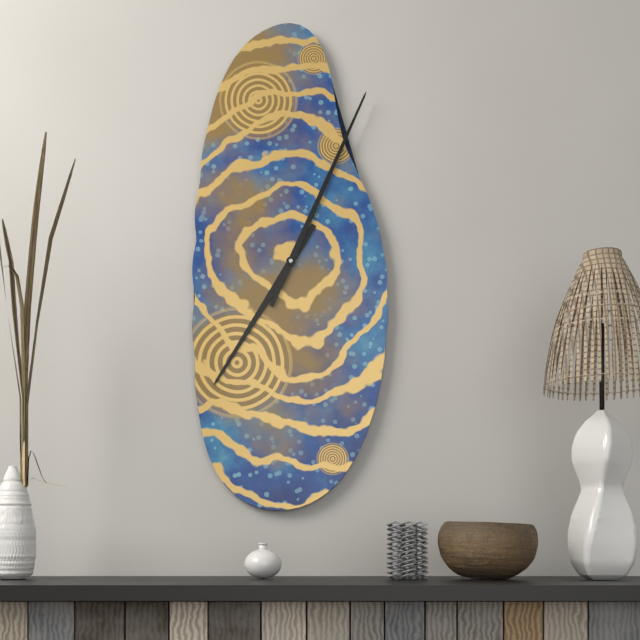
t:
7:04
